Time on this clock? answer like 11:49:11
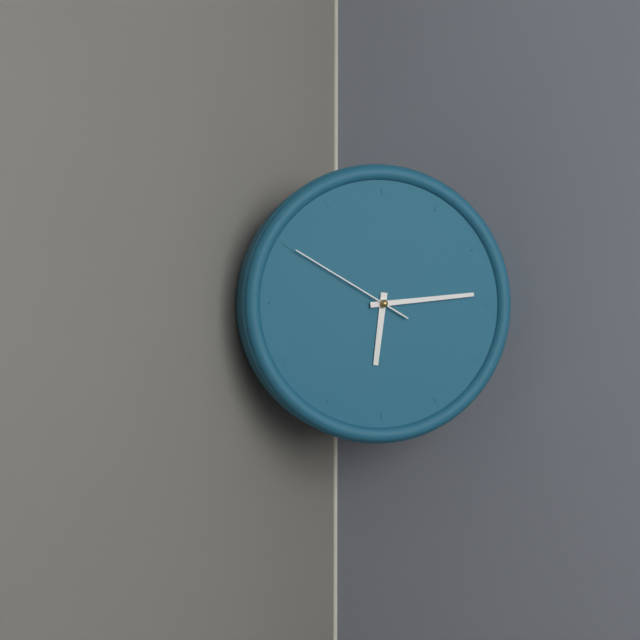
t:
6:14:50
